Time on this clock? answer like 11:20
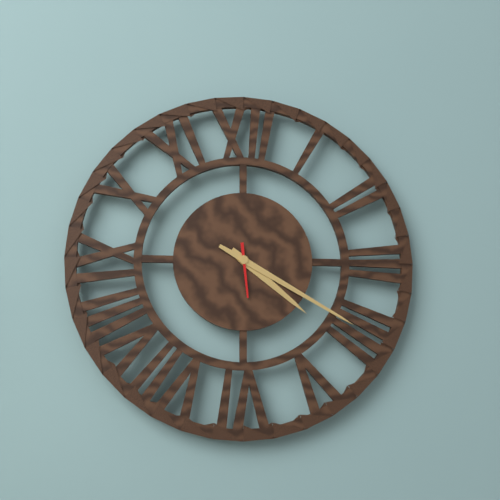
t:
4:20
